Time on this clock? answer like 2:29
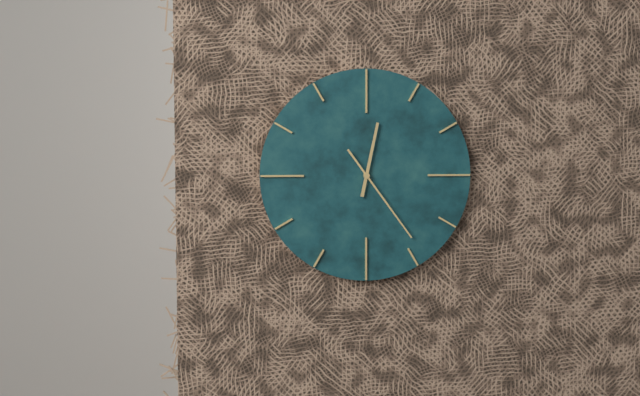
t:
12:24
